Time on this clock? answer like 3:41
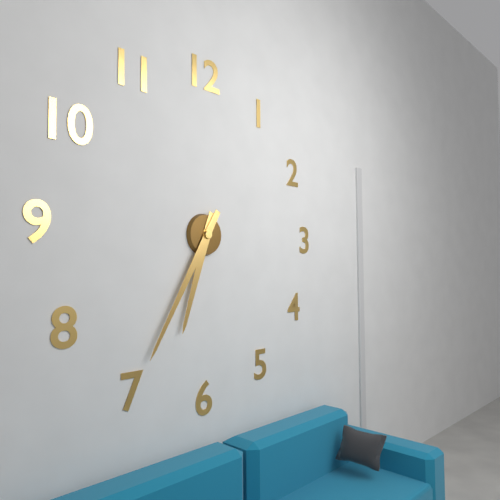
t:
6:35
